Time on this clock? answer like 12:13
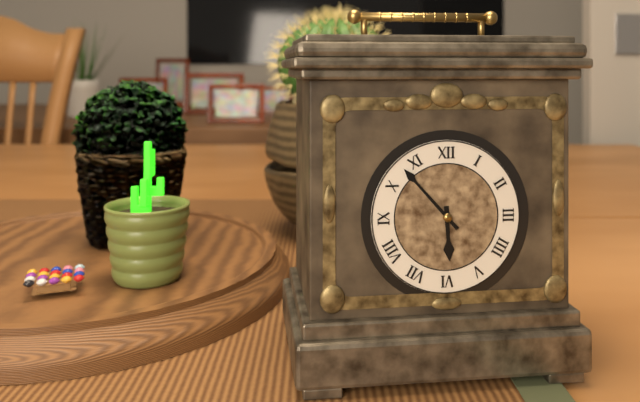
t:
5:53
